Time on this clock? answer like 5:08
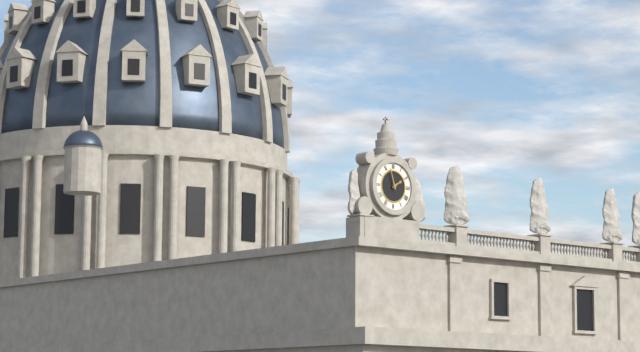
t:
1:57
